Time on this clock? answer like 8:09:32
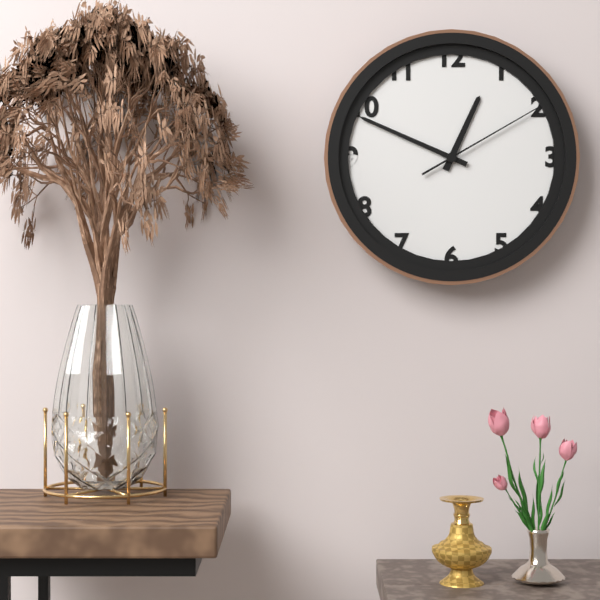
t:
12:49:10
